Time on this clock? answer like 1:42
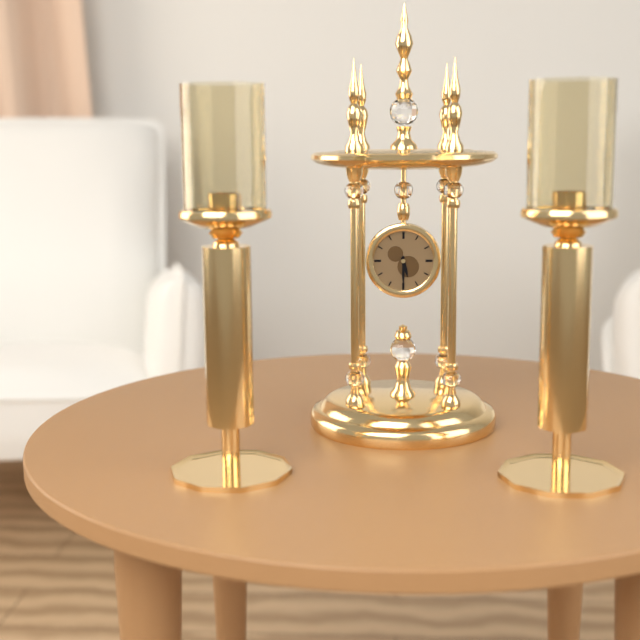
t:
5:30
